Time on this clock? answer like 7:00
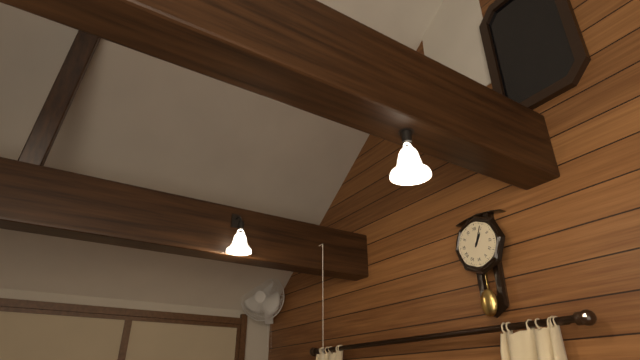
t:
1:04
